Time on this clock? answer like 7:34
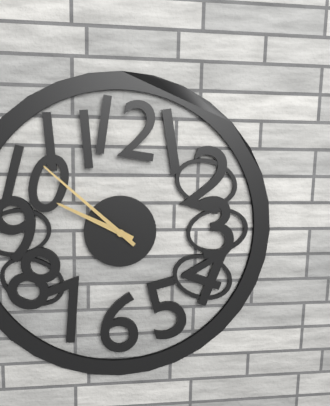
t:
9:52
